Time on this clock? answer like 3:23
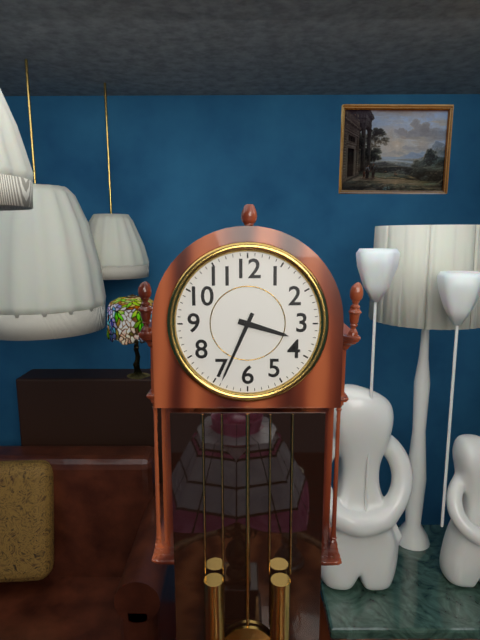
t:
3:34
